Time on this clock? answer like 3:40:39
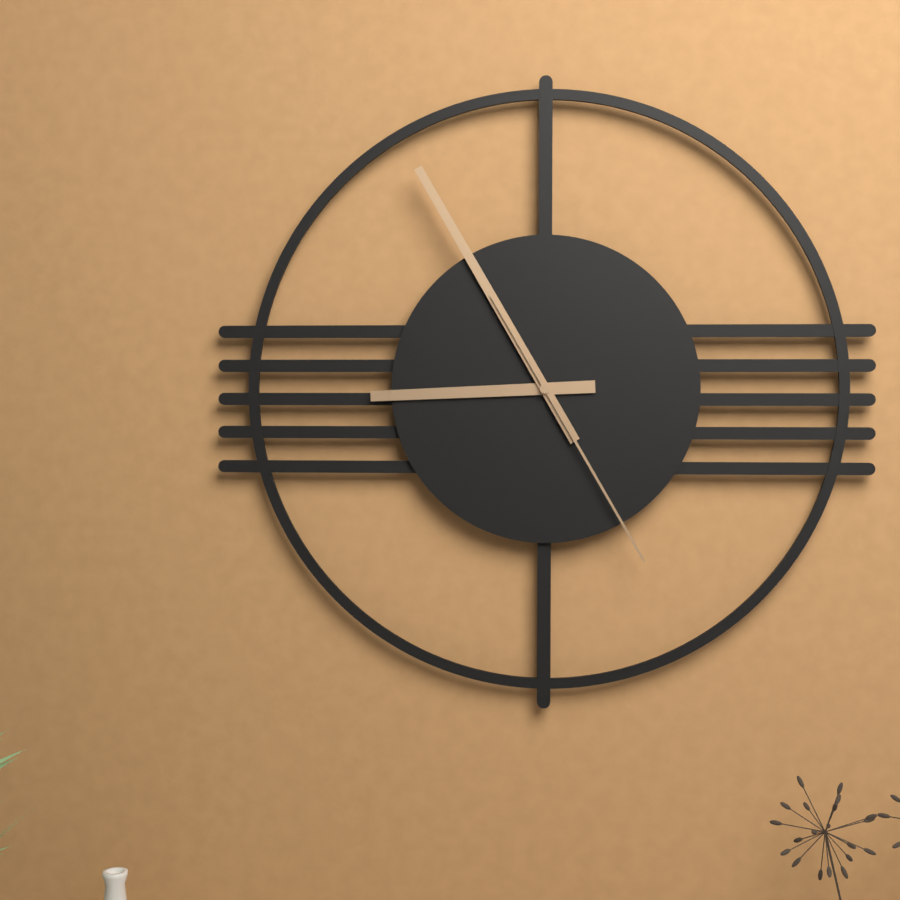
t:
8:55:25
